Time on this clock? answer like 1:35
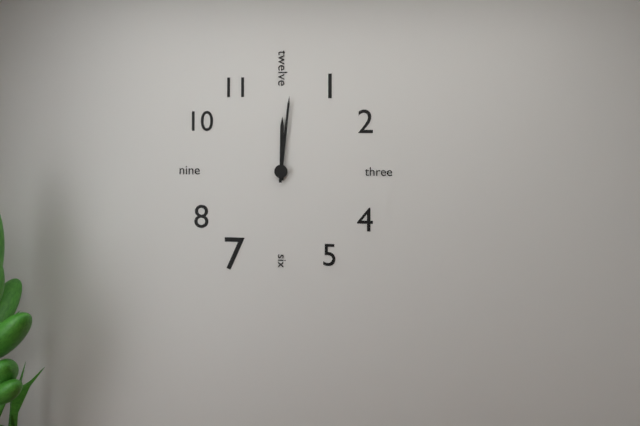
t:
12:01
